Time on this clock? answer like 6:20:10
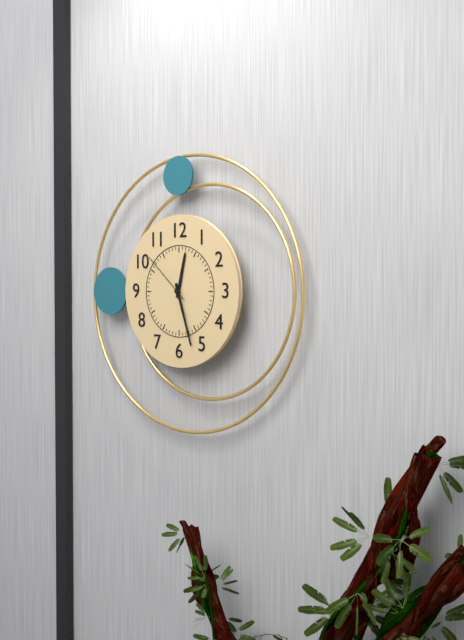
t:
12:27:52
